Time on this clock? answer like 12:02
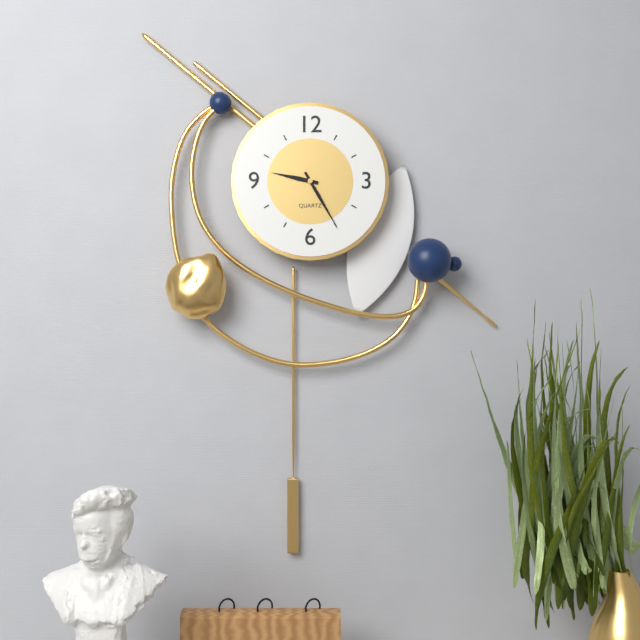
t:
9:25
